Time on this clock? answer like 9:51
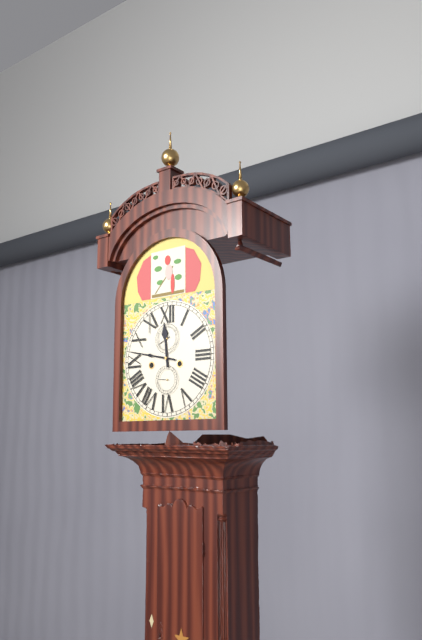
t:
11:47
